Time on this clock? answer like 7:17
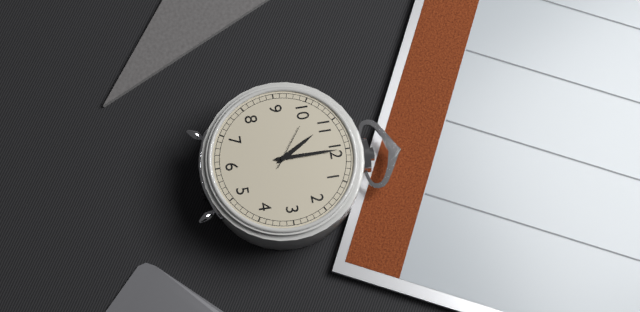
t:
11:00
